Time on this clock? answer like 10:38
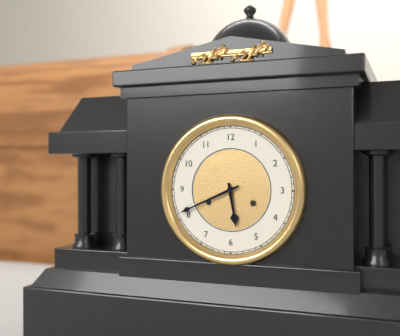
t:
5:41
